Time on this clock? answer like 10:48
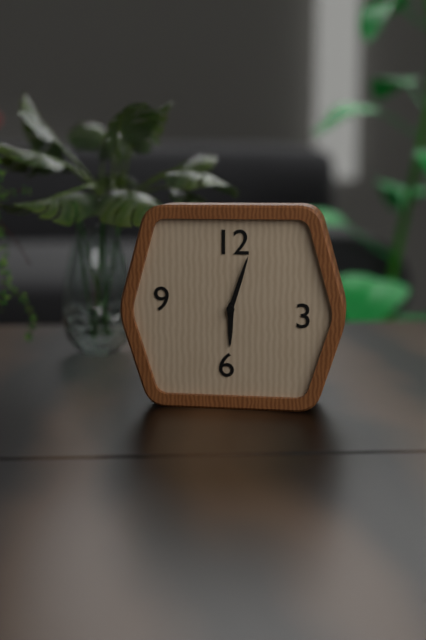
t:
6:03
